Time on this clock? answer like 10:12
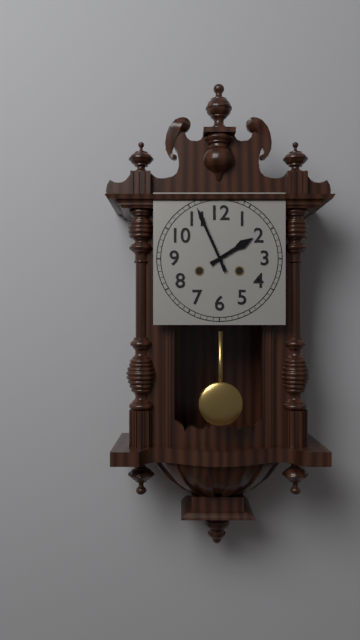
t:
1:56
